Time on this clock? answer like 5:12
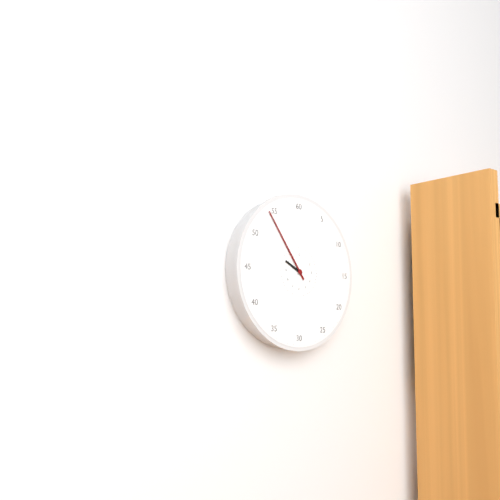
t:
9:54
